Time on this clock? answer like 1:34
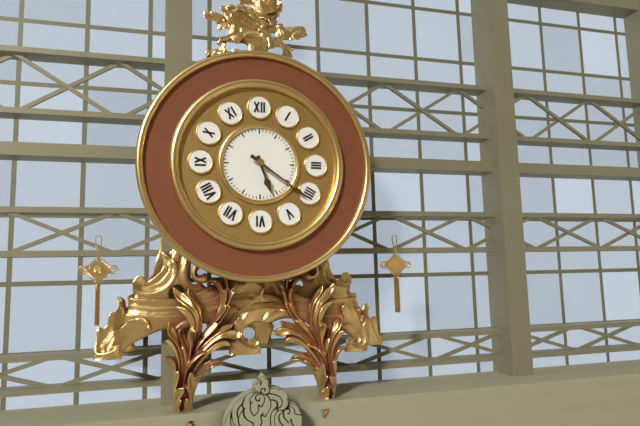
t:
5:21
